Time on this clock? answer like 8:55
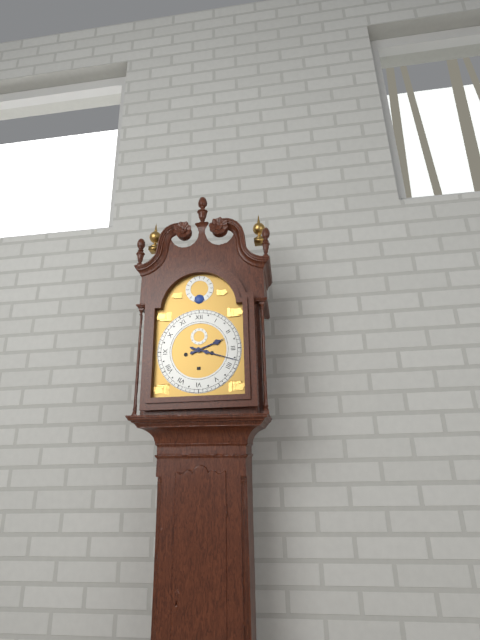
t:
2:18
